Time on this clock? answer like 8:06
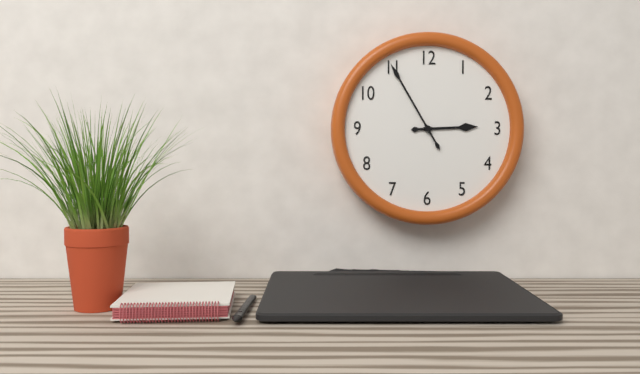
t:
2:55
